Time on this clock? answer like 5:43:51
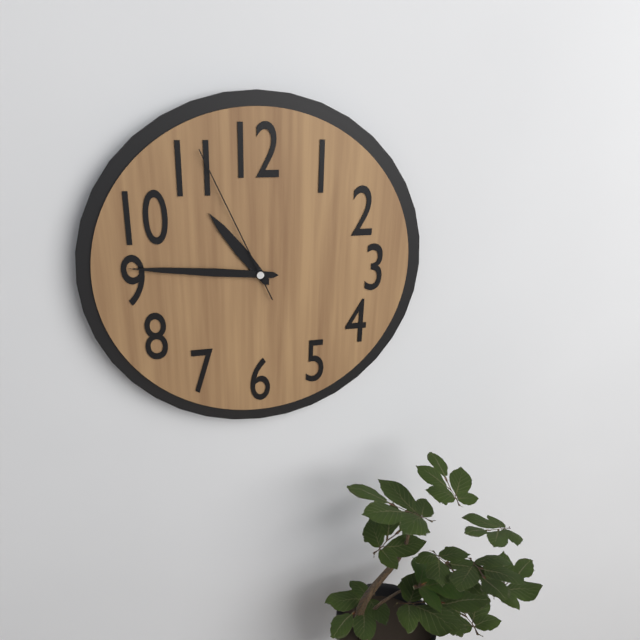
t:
10:46:56
